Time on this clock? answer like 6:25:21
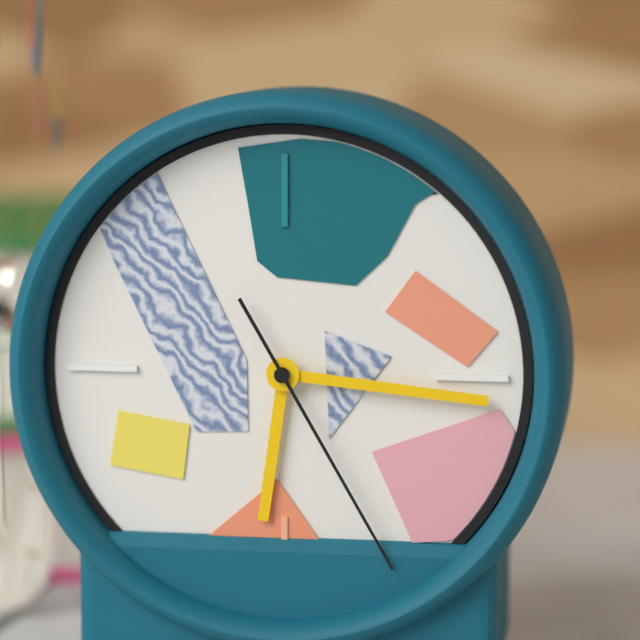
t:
6:16:25
